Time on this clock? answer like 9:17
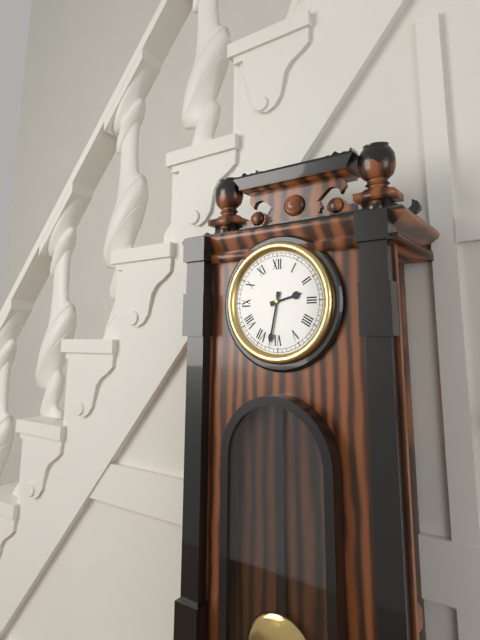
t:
2:32
